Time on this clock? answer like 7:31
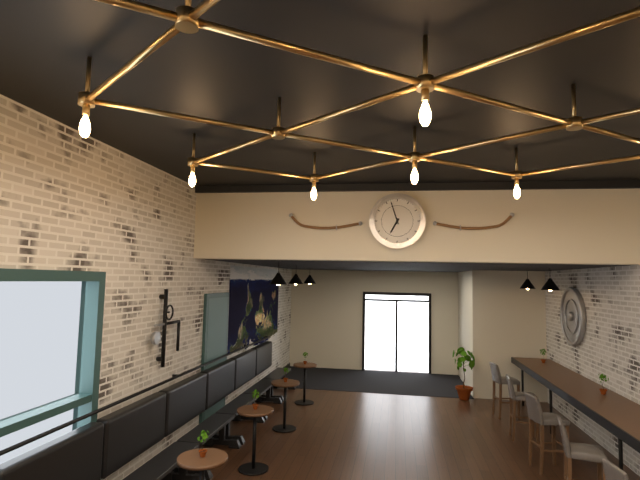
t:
6:57
